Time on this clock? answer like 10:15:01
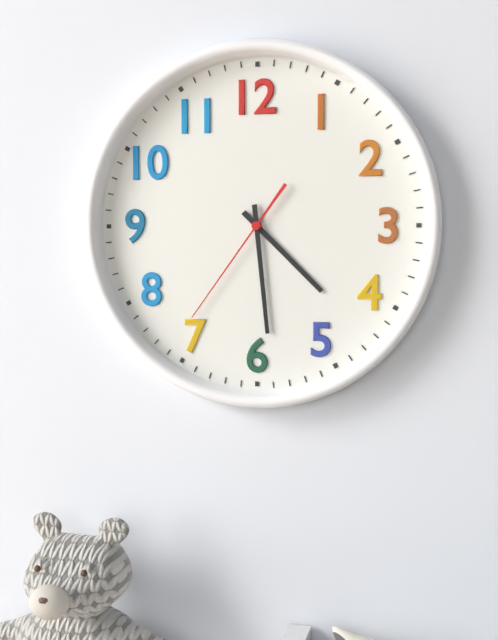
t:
4:29:36
